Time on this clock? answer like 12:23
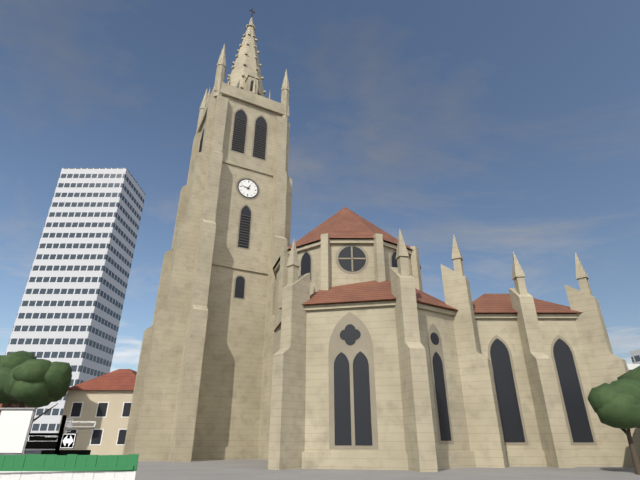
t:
12:47
